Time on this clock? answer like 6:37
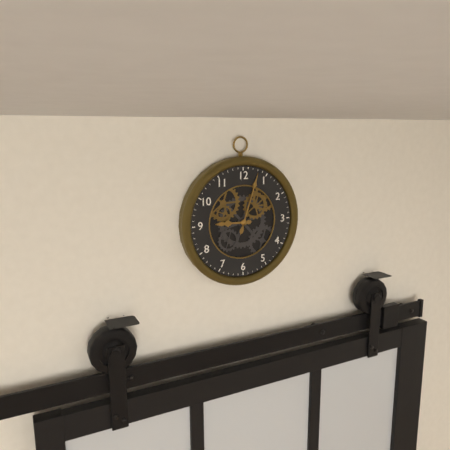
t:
9:03
